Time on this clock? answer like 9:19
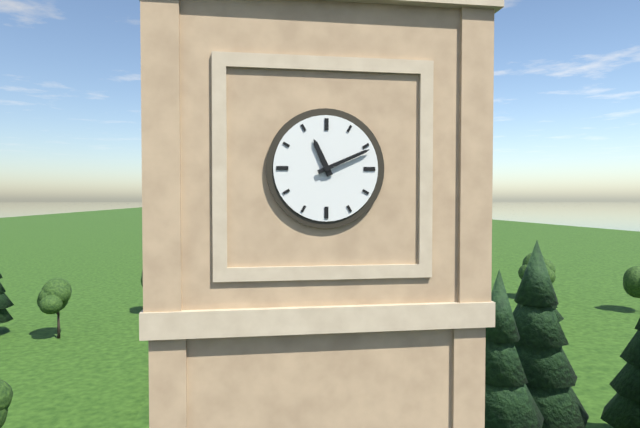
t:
11:11
